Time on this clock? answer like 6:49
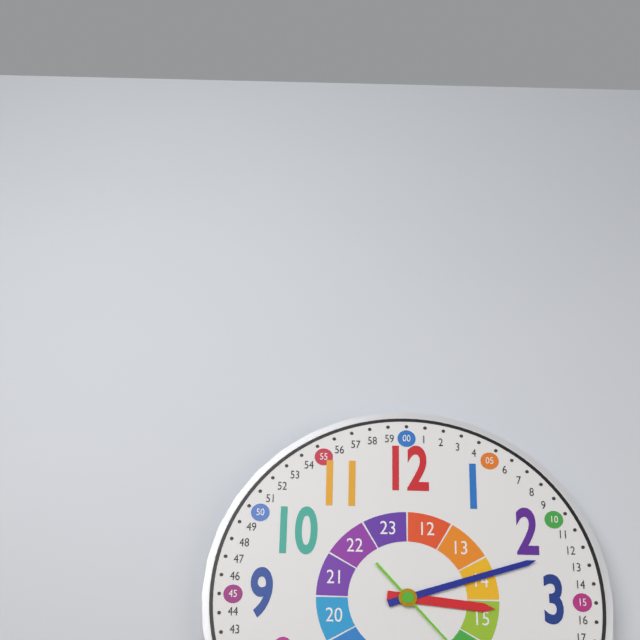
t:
3:12
